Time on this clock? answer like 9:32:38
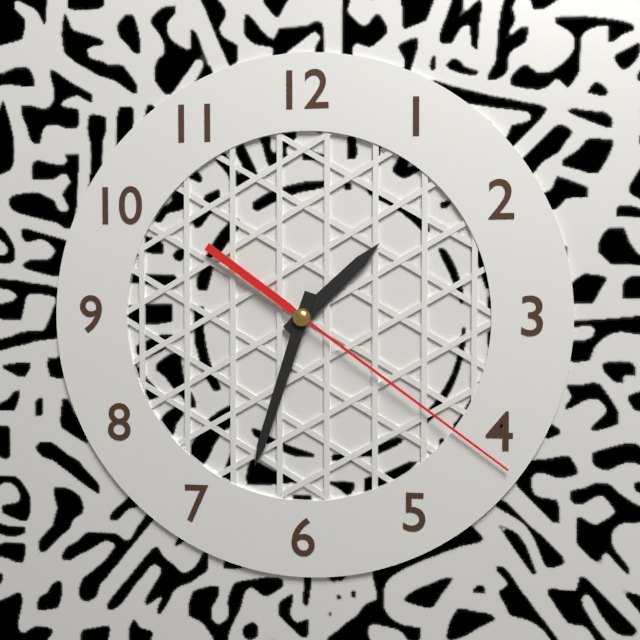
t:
1:33:21
